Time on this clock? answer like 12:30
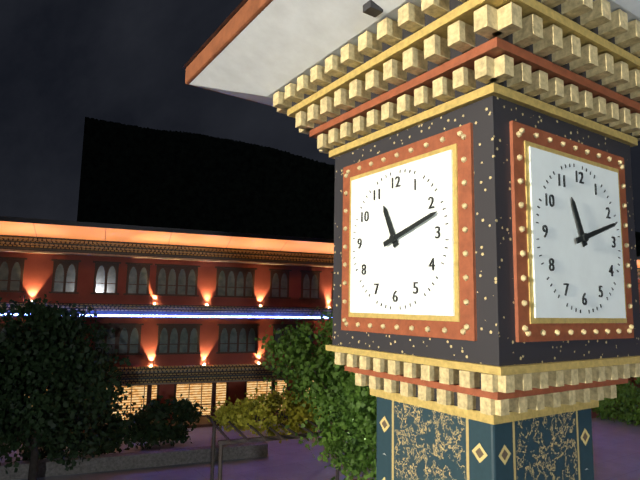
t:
11:12
